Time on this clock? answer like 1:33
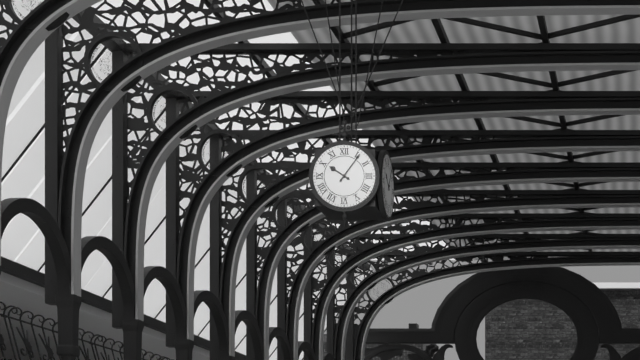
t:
10:06
